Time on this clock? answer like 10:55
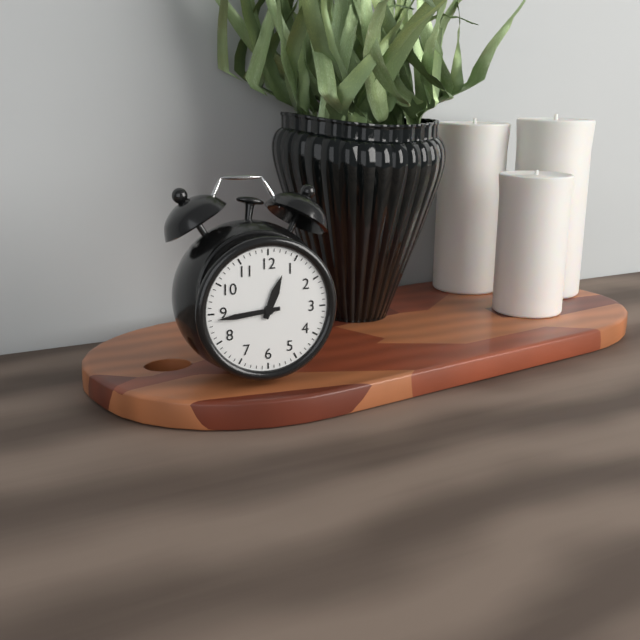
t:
12:44
